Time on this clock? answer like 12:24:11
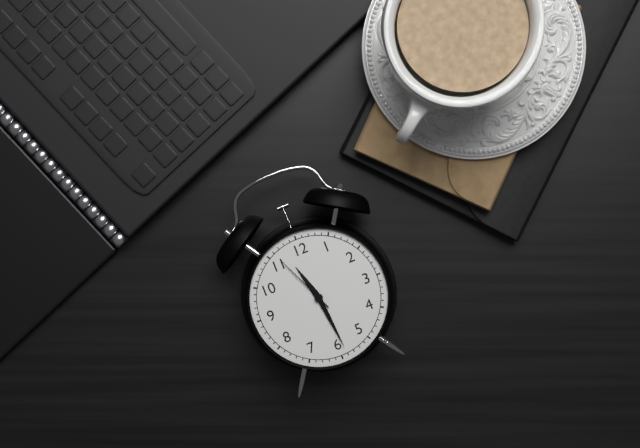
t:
11:29:56
